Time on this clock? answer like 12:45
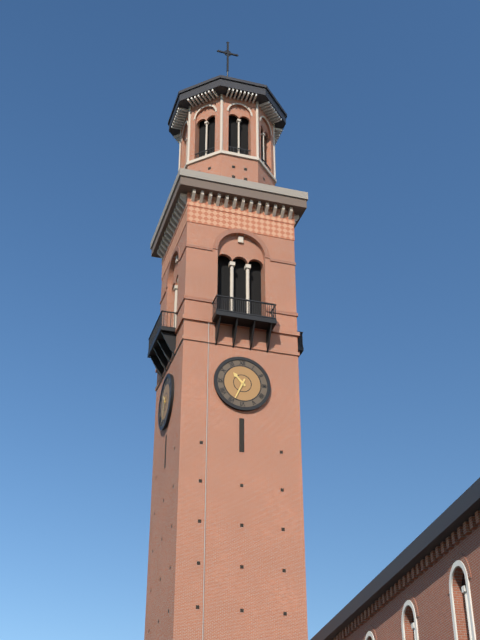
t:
10:34
